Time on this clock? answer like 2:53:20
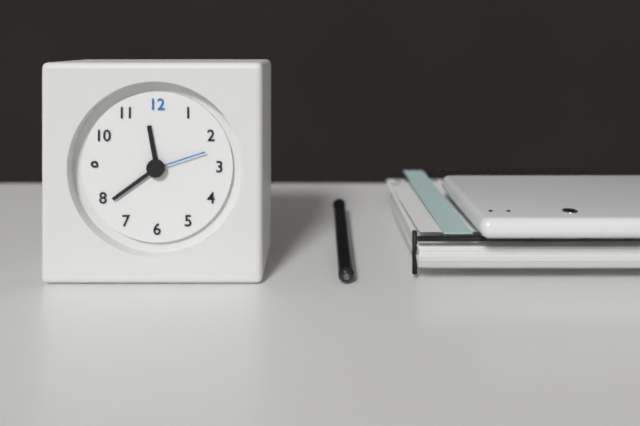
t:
11:39:12
